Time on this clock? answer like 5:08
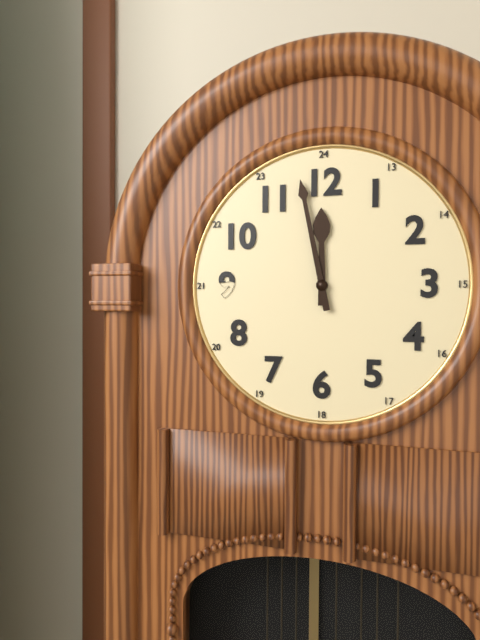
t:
11:58
